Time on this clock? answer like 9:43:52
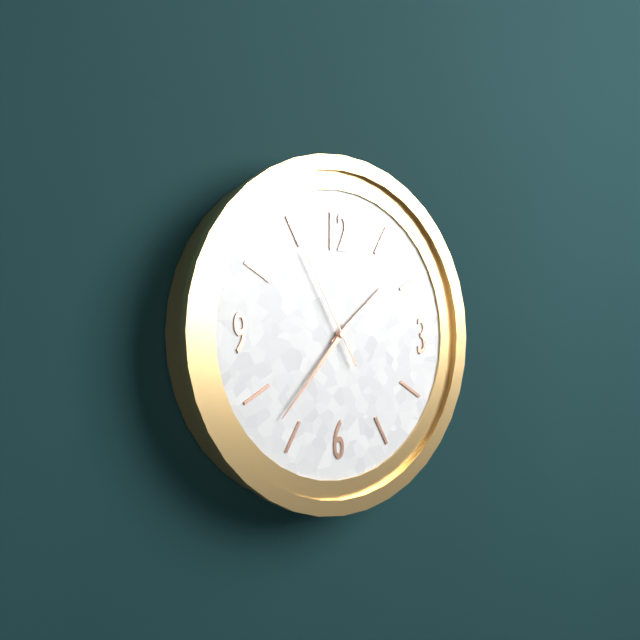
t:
1:37:55
